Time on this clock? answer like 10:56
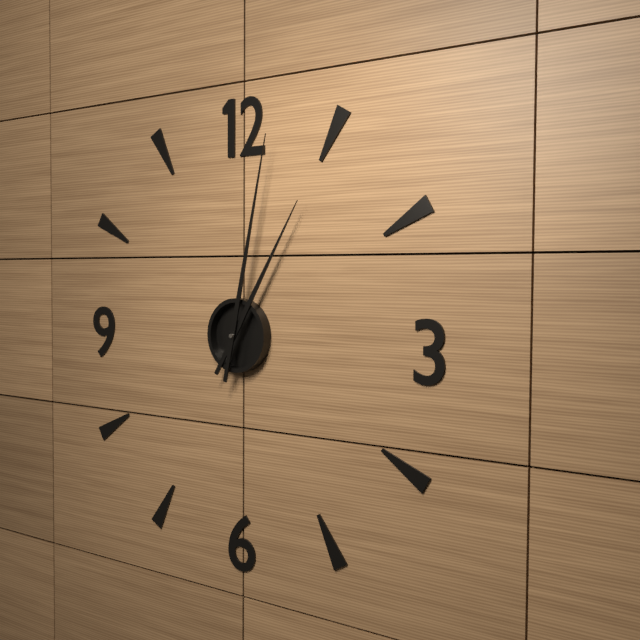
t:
1:02
